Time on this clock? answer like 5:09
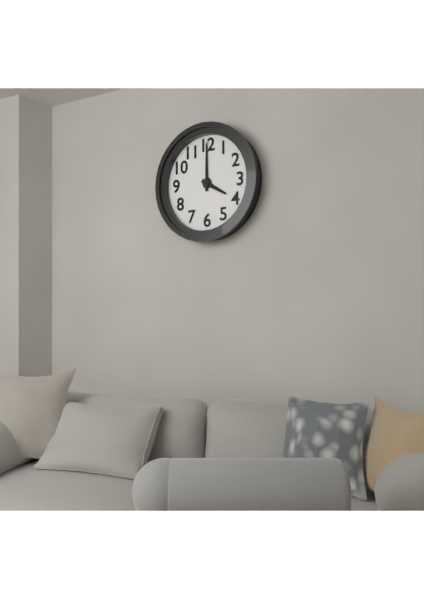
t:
4:00
